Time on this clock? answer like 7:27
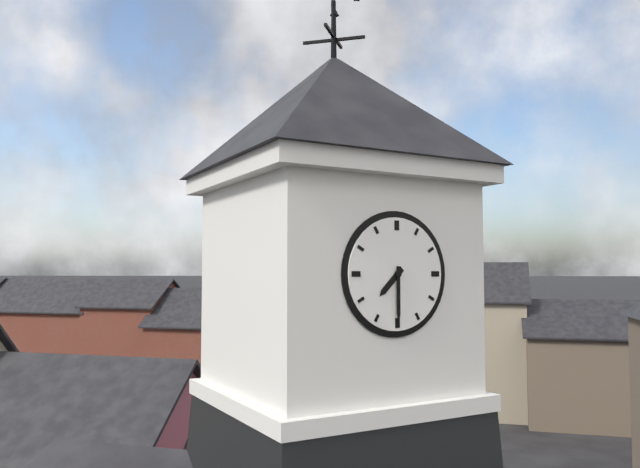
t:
7:30
